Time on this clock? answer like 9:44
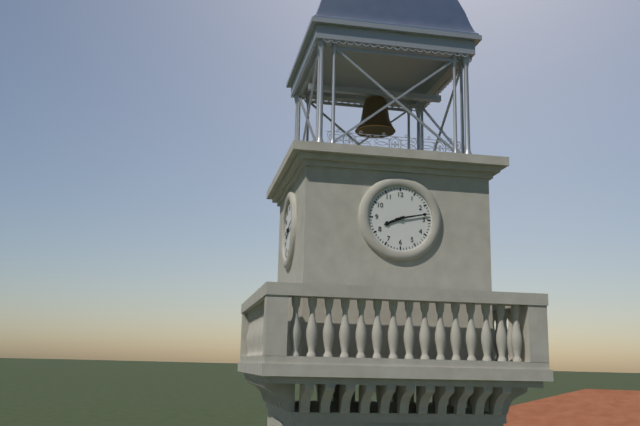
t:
8:13
